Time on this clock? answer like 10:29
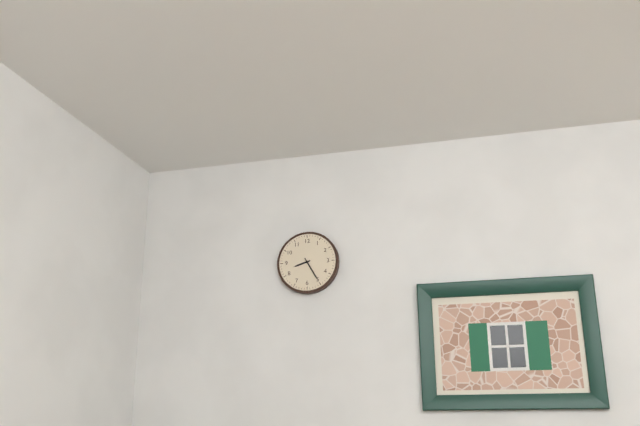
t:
8:25
